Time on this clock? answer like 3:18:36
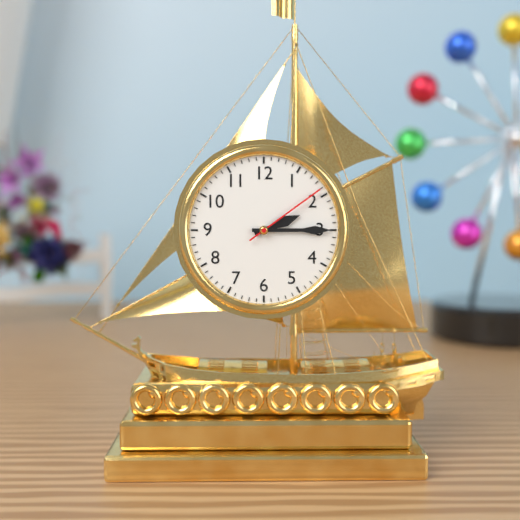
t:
2:15:09
